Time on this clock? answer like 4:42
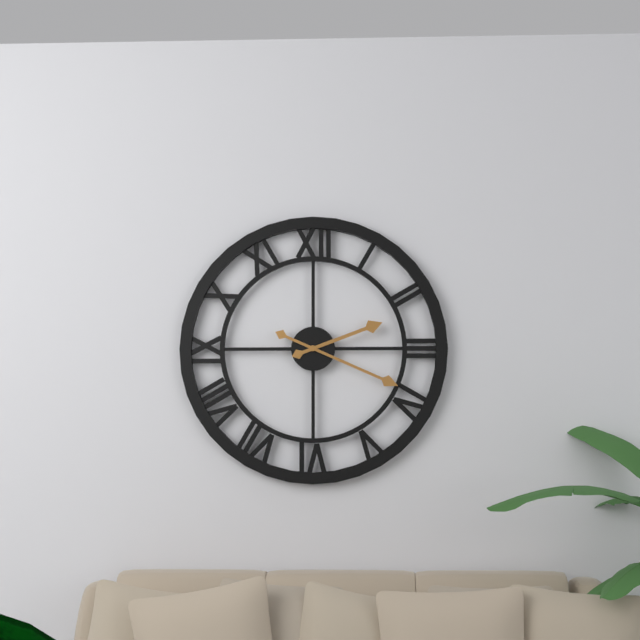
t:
2:19
